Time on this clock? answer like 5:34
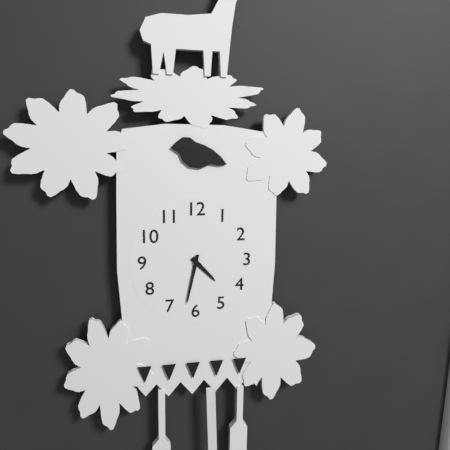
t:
4:32
